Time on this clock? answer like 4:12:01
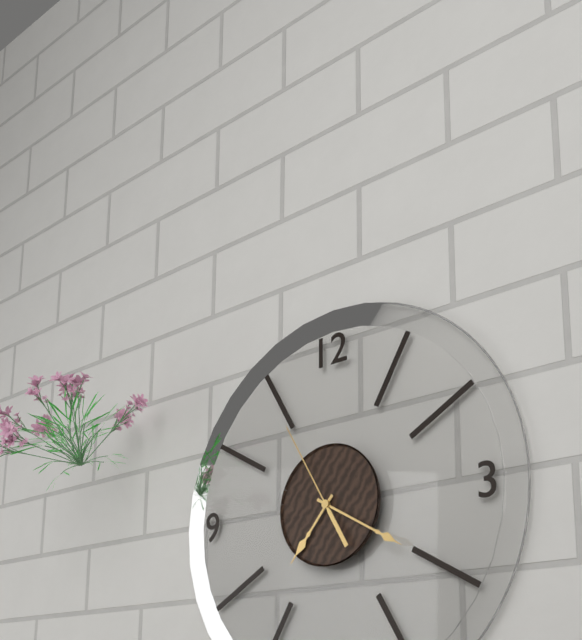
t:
7:20:55
